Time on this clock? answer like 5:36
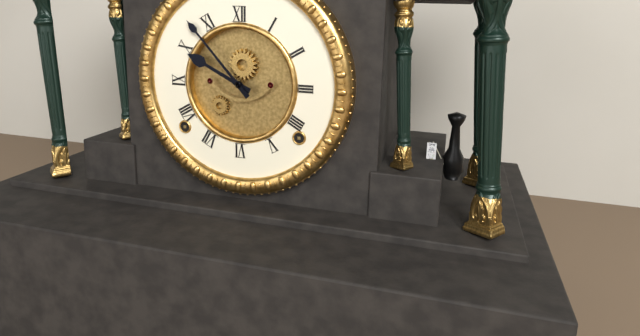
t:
9:53
